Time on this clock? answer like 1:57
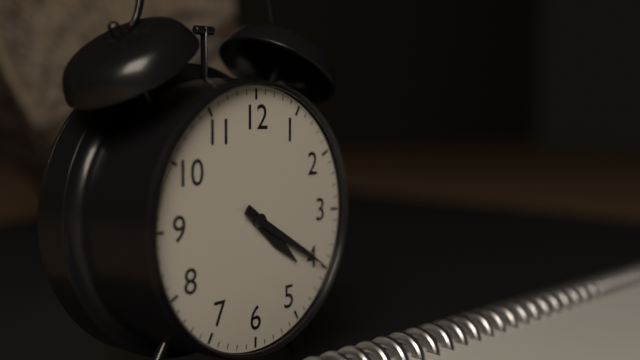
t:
4:20
